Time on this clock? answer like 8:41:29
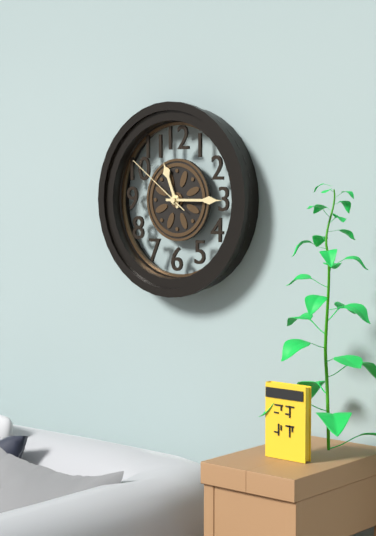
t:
11:15:51
